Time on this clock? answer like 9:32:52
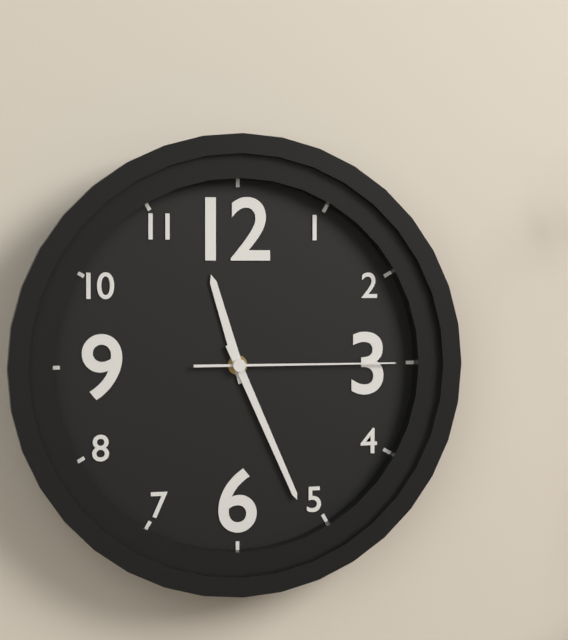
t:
11:26:15
